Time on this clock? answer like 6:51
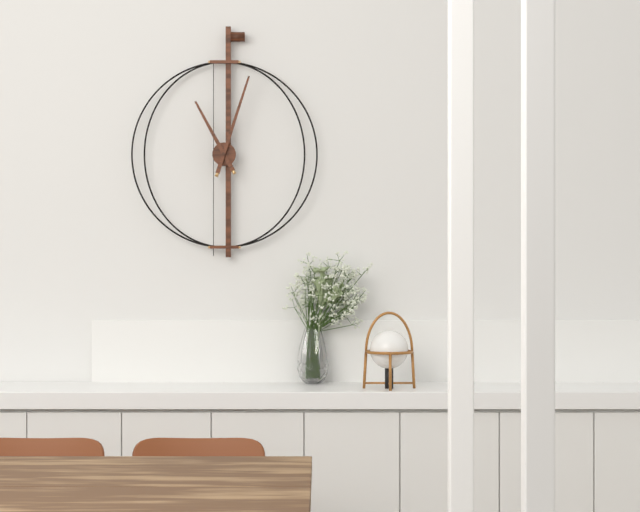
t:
11:03
